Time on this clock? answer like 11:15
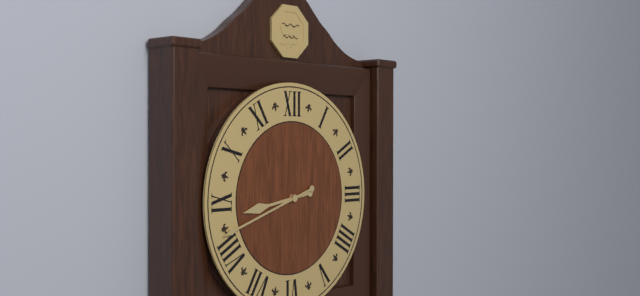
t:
8:42
